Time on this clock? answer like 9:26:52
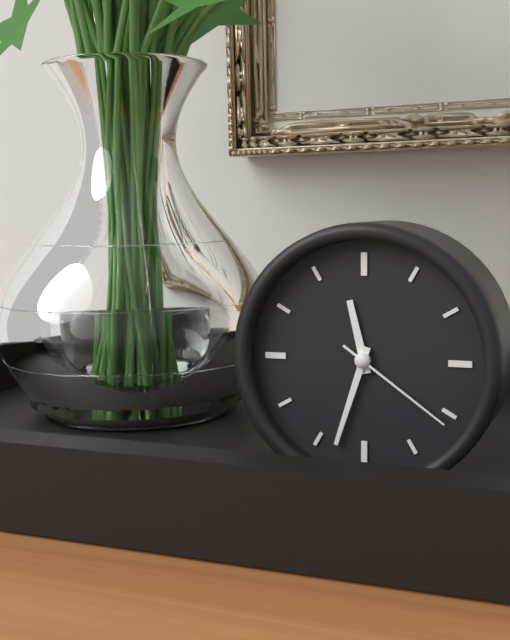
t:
11:33:21
